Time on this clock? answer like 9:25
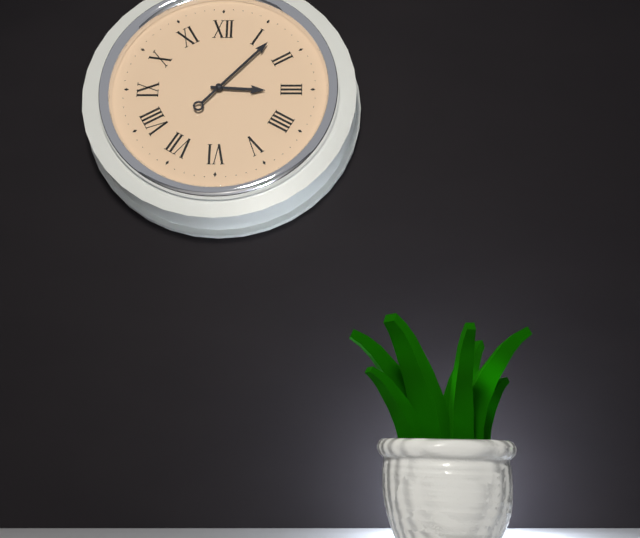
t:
3:07
